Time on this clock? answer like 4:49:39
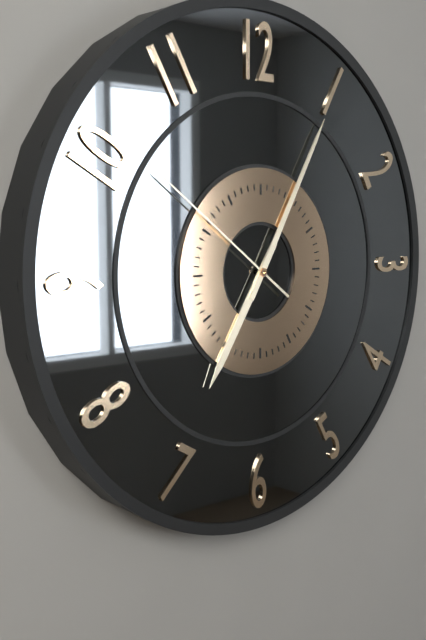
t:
7:05:51
